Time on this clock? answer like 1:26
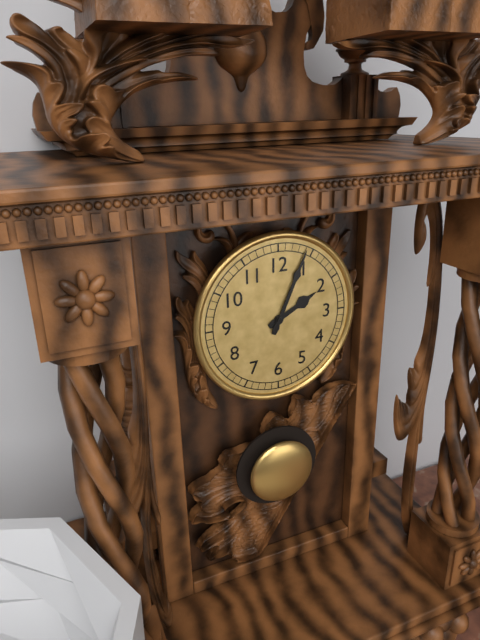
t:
2:04
